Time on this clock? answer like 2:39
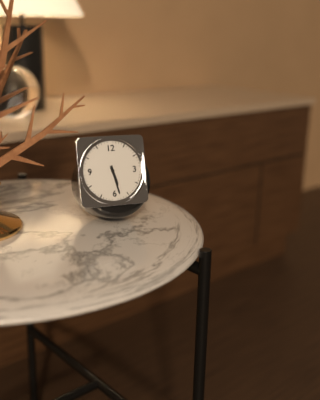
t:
5:28
